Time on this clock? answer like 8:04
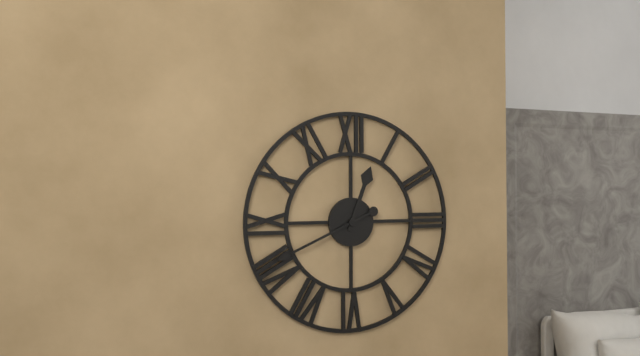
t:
12:41
